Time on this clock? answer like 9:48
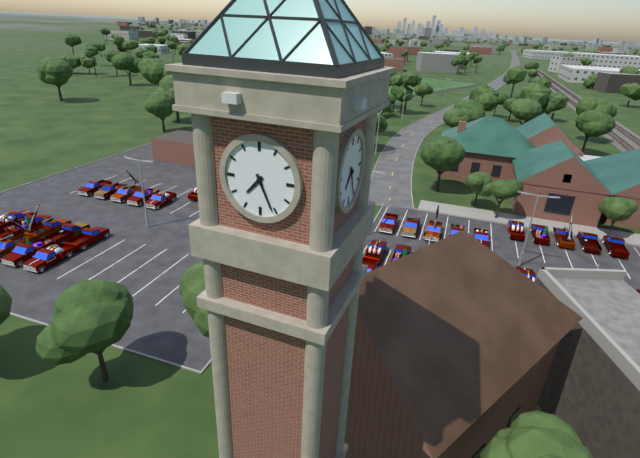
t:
7:26
